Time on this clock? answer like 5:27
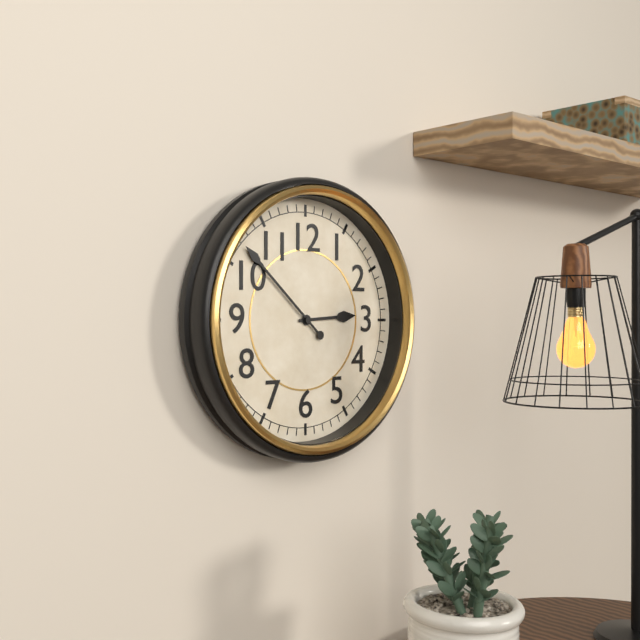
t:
2:52
